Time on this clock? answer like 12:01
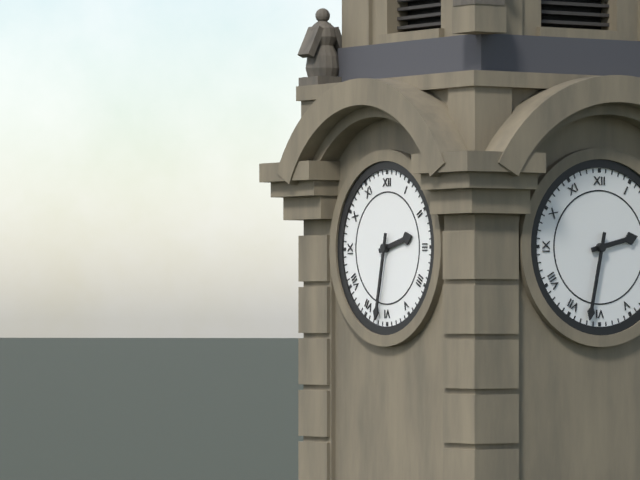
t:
2:32
